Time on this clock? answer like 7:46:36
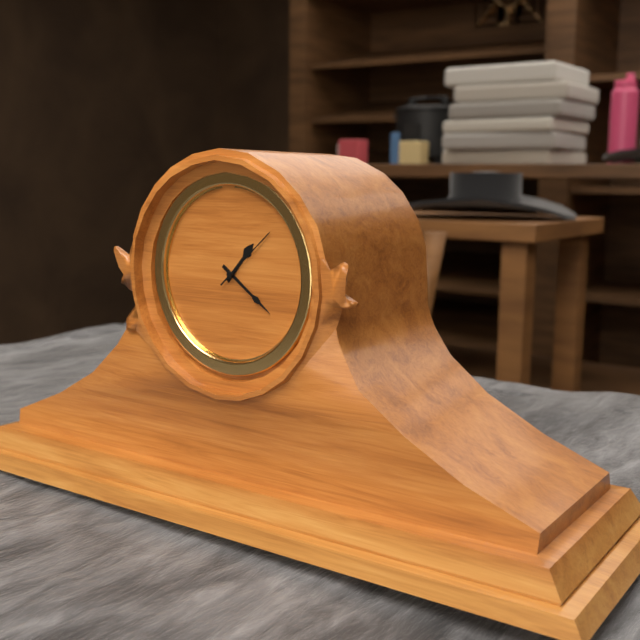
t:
1:21:08
